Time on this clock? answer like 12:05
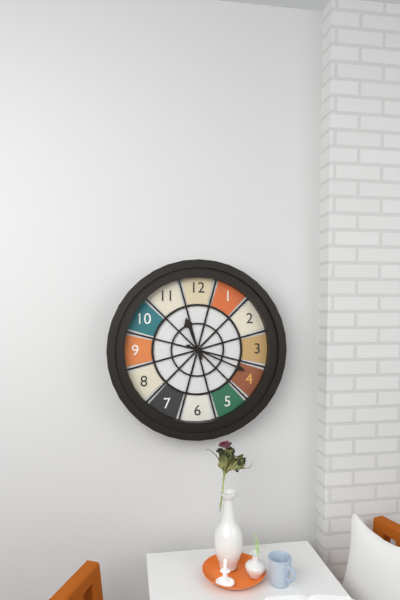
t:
11:19
